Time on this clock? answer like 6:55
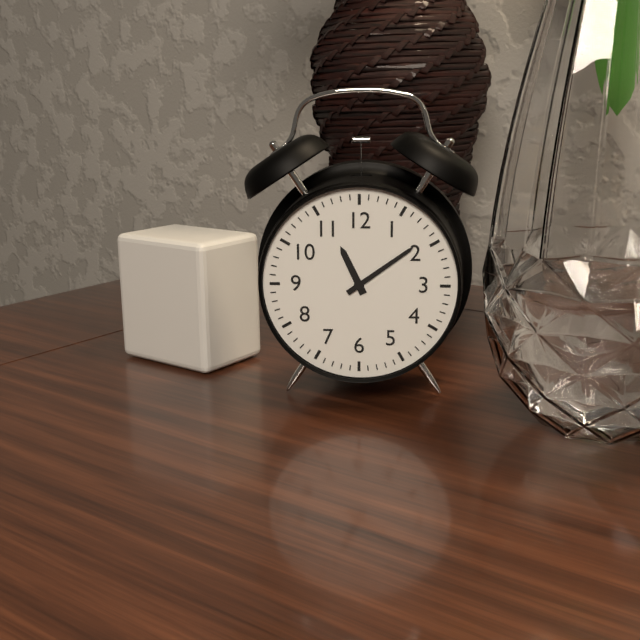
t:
11:09
